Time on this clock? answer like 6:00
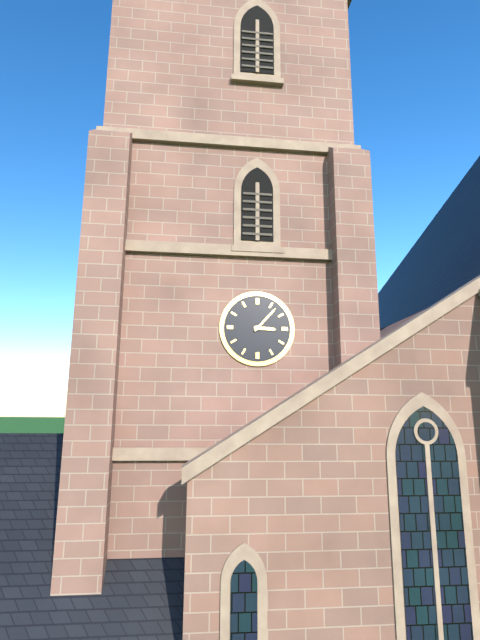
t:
3:07
